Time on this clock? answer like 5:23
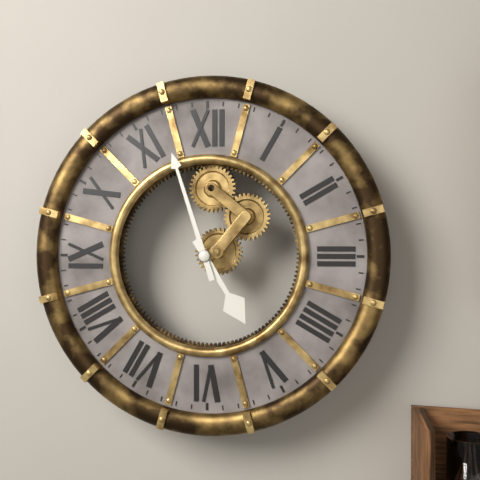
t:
4:57
